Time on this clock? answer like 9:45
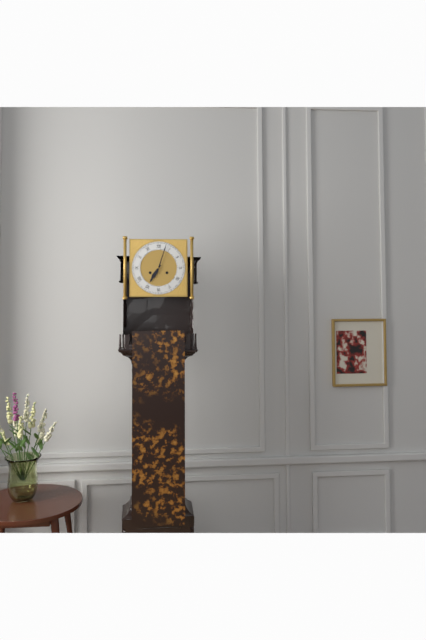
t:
7:03
